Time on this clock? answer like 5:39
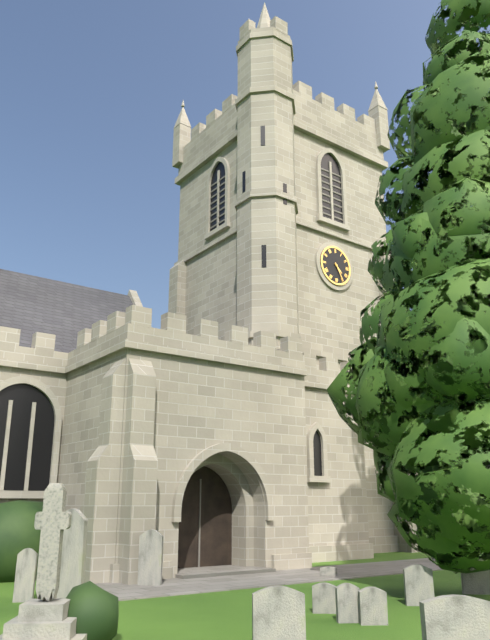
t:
4:25
